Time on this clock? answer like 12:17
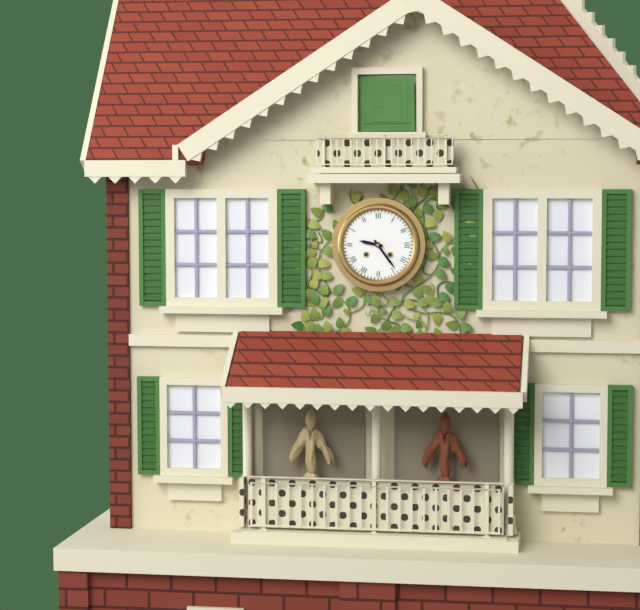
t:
9:24
